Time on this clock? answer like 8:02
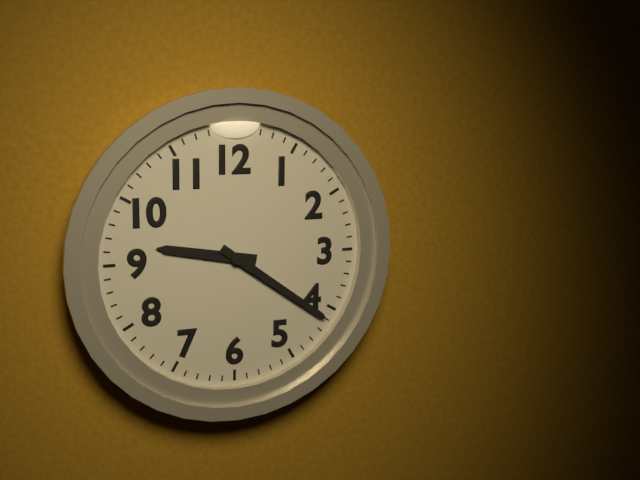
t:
9:21
